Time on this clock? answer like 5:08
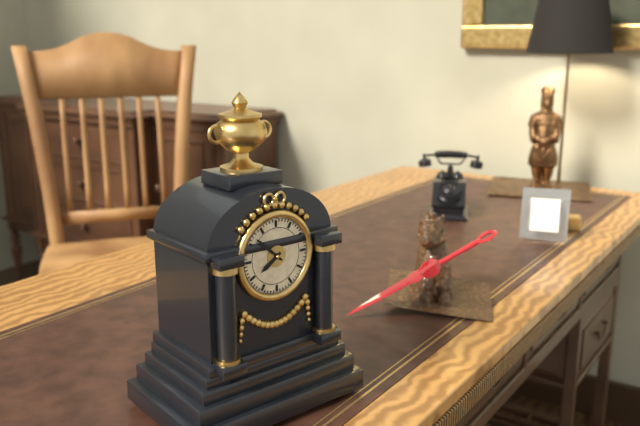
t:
7:52
